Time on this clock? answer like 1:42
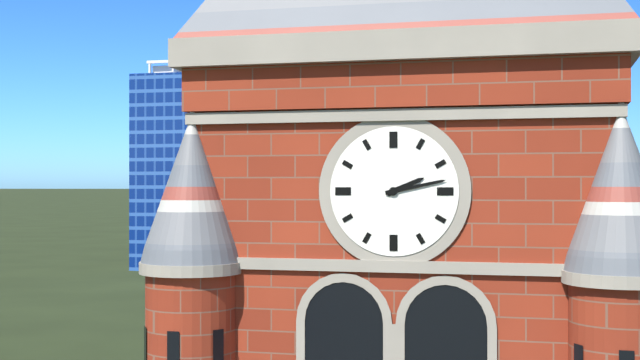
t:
2:13
